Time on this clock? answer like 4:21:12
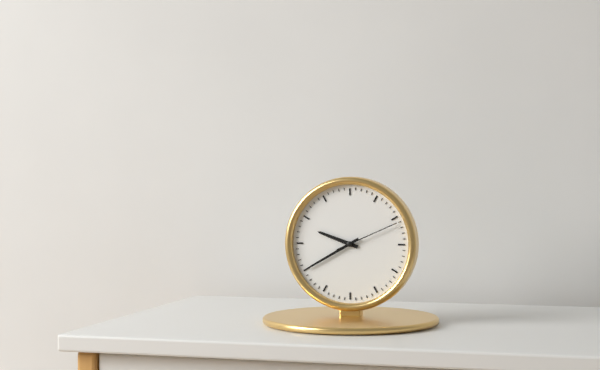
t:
9:40:11
